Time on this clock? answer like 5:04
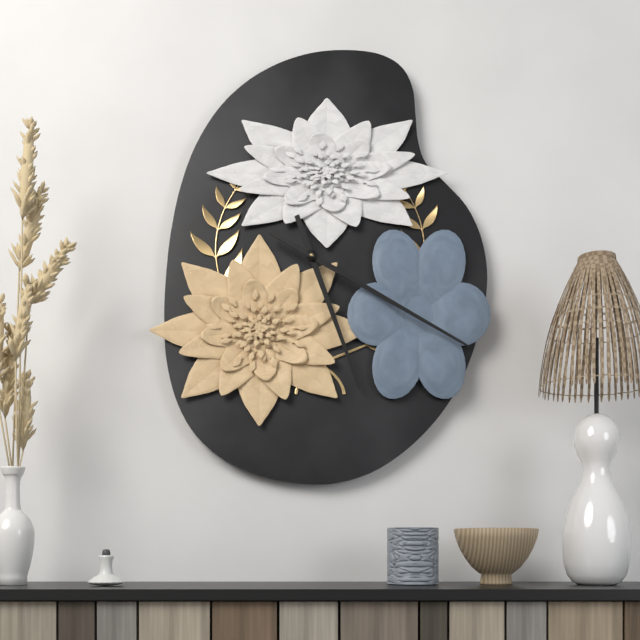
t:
5:20
